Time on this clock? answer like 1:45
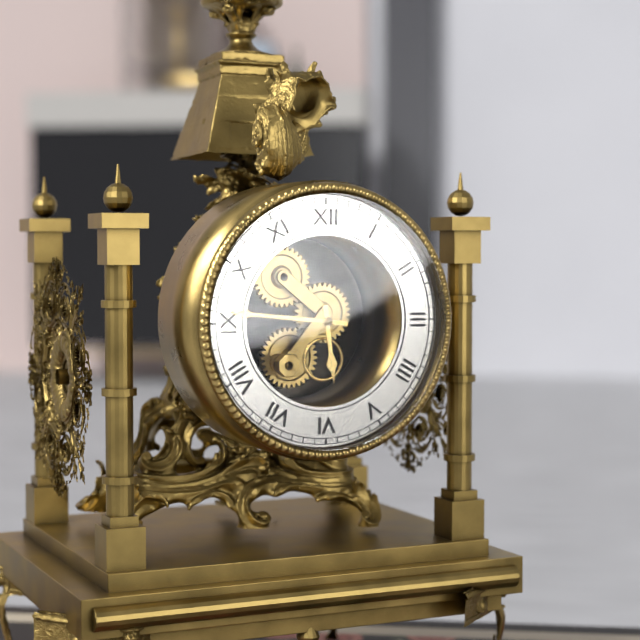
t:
5:46
